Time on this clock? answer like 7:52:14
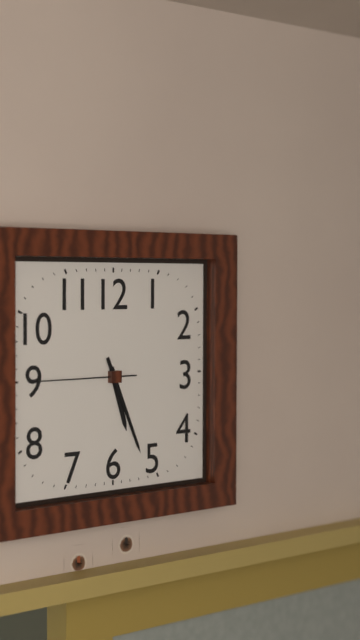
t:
5:26:45
